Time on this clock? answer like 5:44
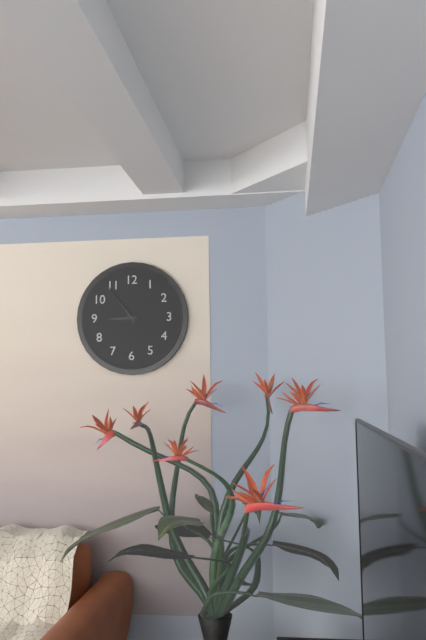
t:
8:54
